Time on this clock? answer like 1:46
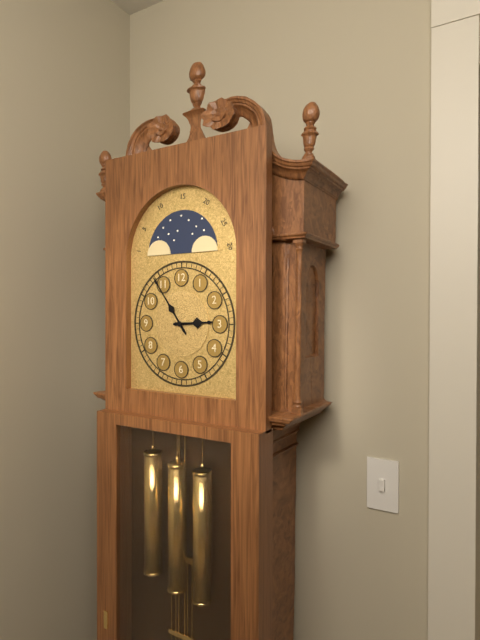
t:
2:54
